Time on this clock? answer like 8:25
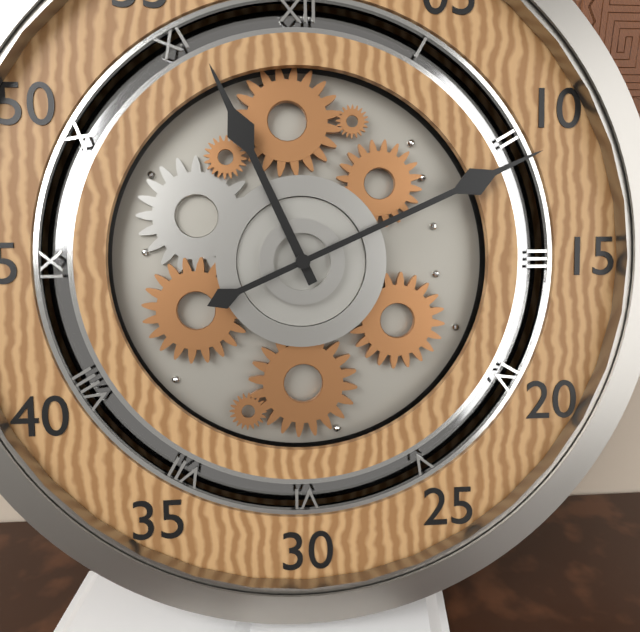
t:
11:11
